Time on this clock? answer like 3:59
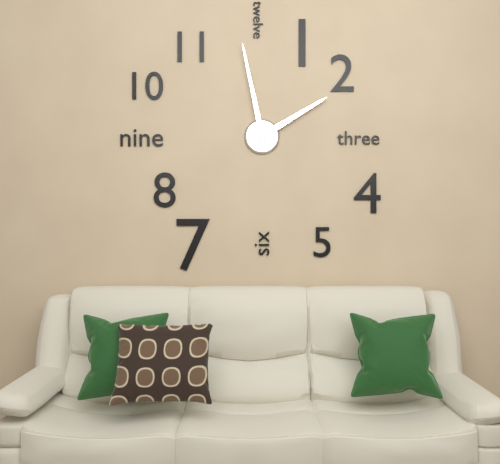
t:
1:58
